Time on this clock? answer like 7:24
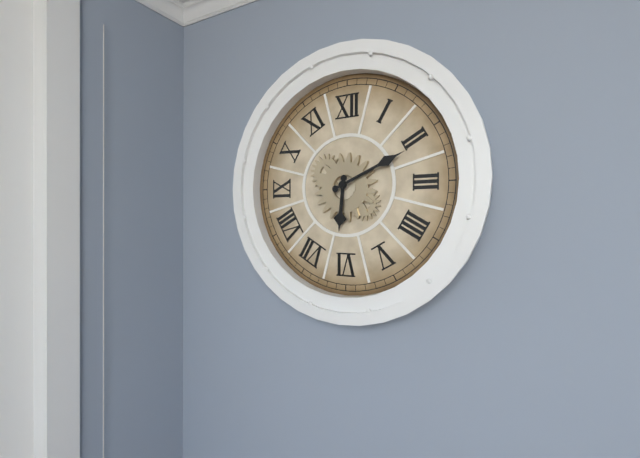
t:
6:11
